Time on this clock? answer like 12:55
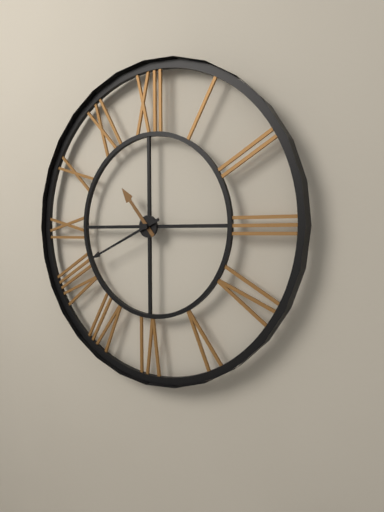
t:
10:41
